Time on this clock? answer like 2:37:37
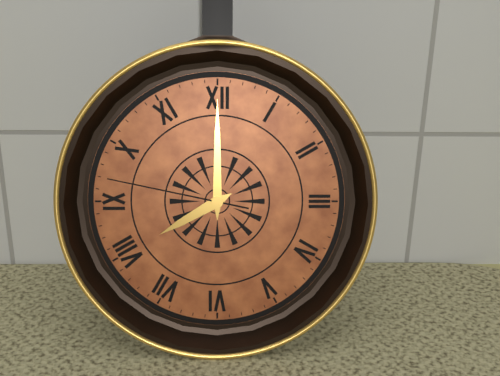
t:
8:00:47
